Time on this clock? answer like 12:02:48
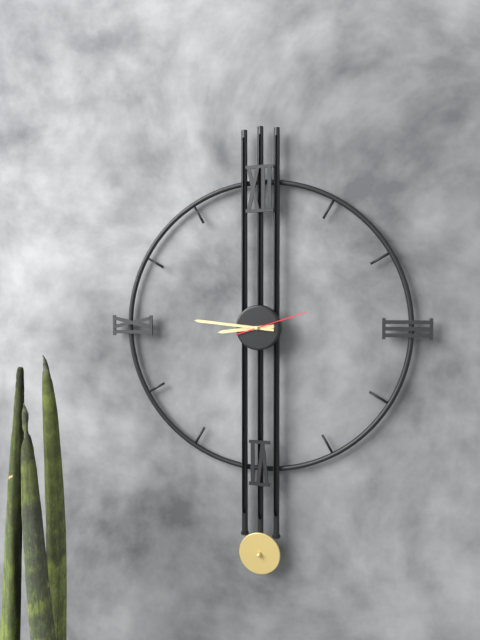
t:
8:46:12
